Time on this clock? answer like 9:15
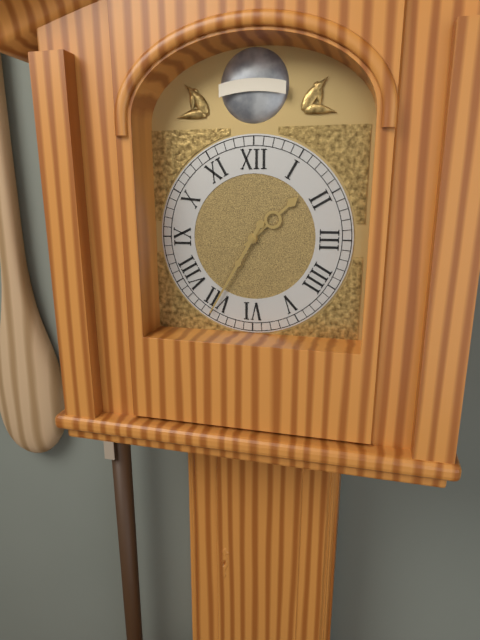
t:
1:35
